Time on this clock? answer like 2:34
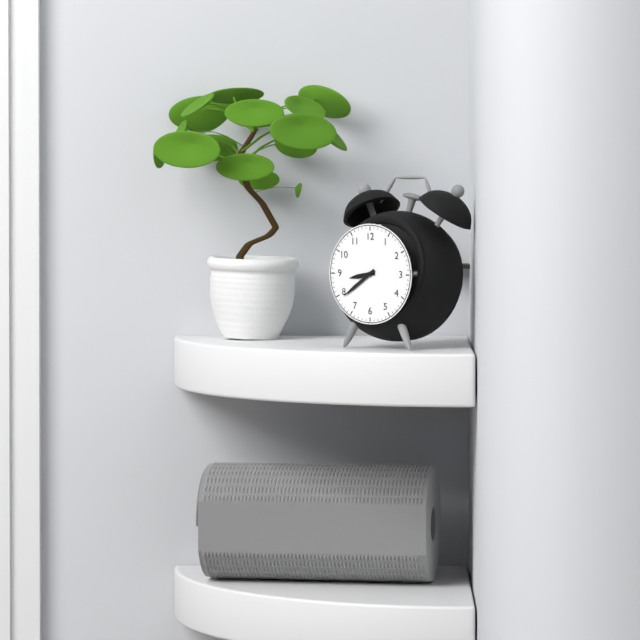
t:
8:39
